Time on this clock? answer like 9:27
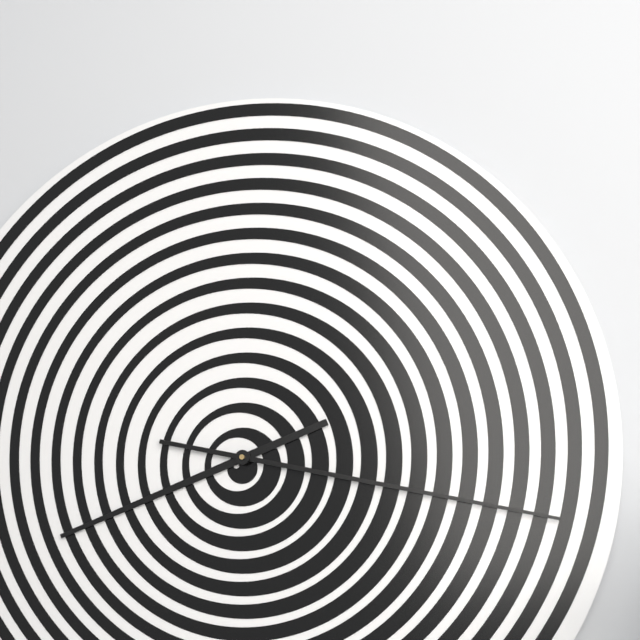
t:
8:17
